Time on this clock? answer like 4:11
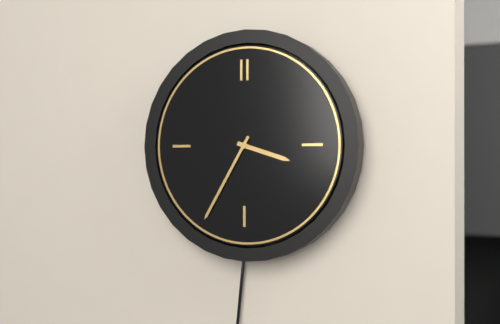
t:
3:35
